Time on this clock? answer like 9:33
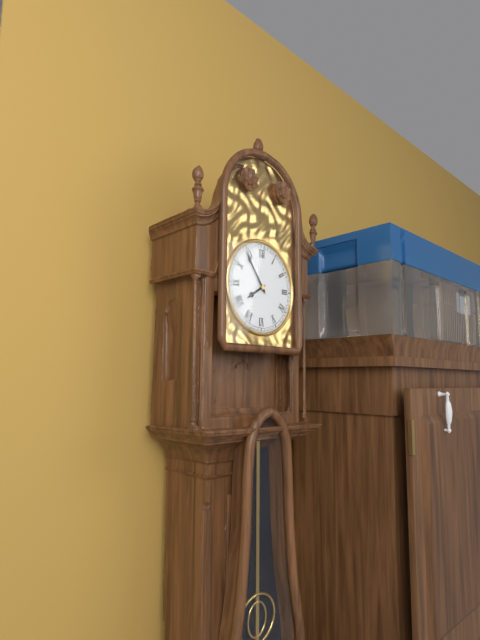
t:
7:54
